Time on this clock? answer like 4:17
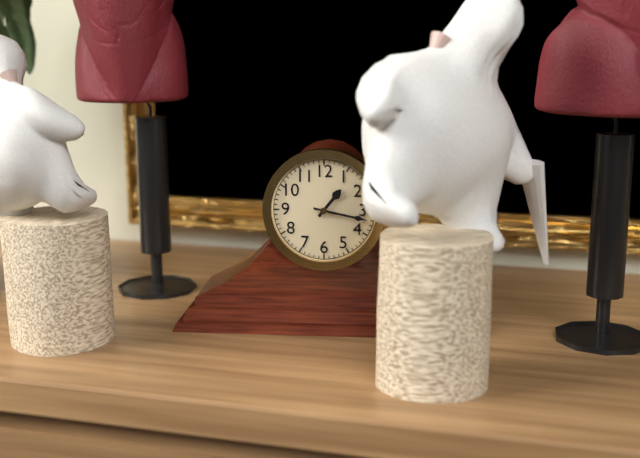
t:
1:17
